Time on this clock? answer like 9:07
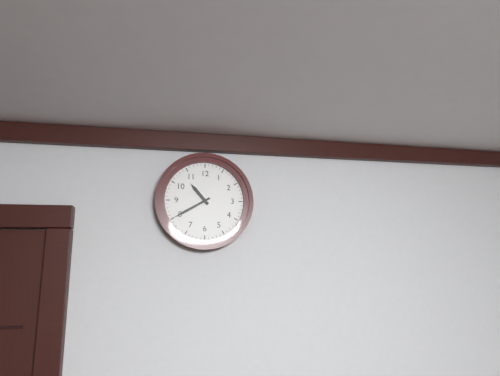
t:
10:40
